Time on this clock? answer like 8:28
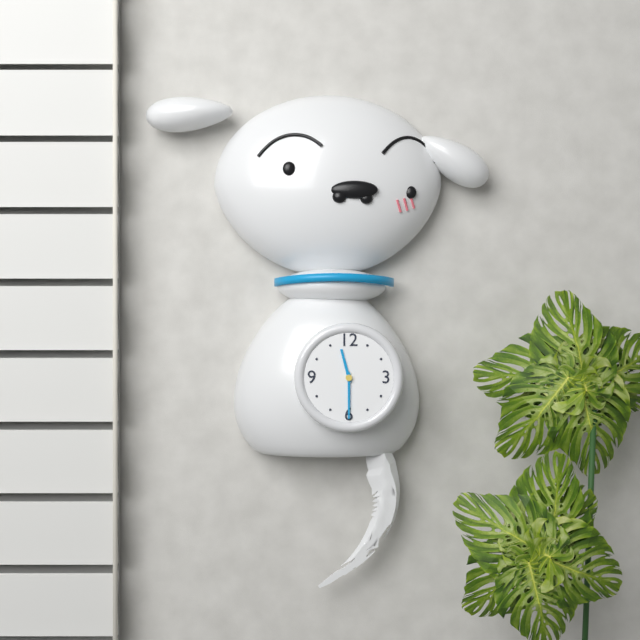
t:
11:30
